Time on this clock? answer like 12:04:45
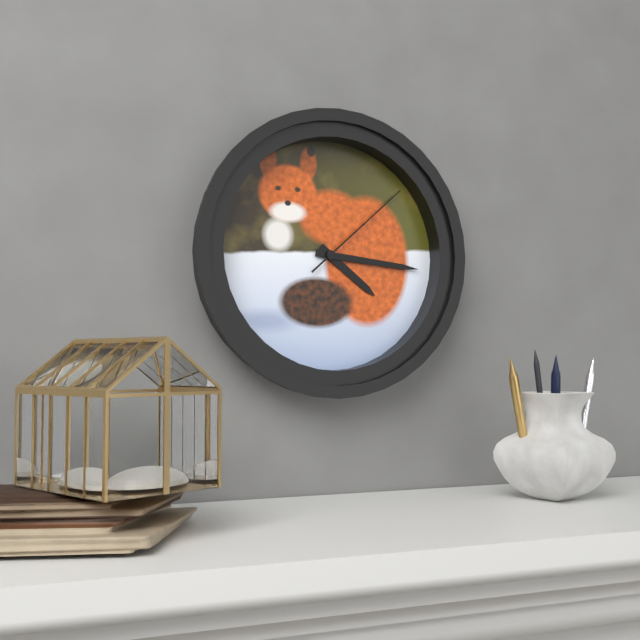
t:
4:16:08
